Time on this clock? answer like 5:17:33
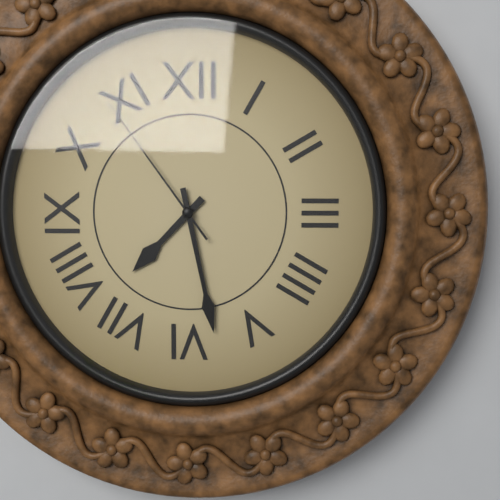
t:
7:28:54
